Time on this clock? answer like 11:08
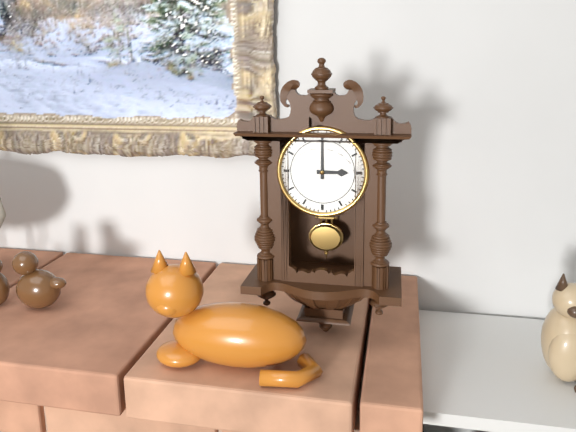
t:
3:00
